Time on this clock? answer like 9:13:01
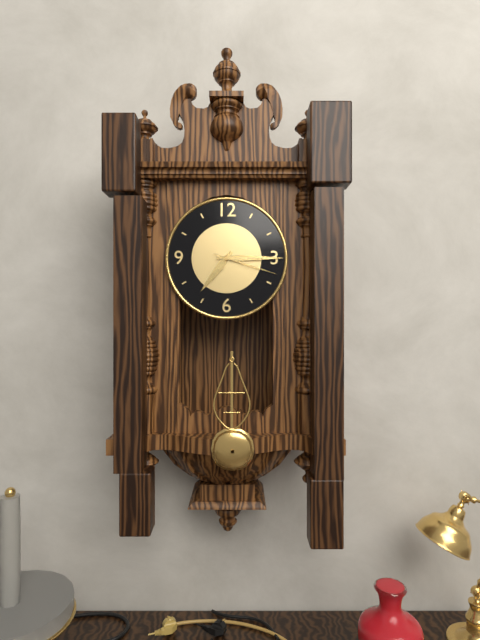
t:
7:15:18
